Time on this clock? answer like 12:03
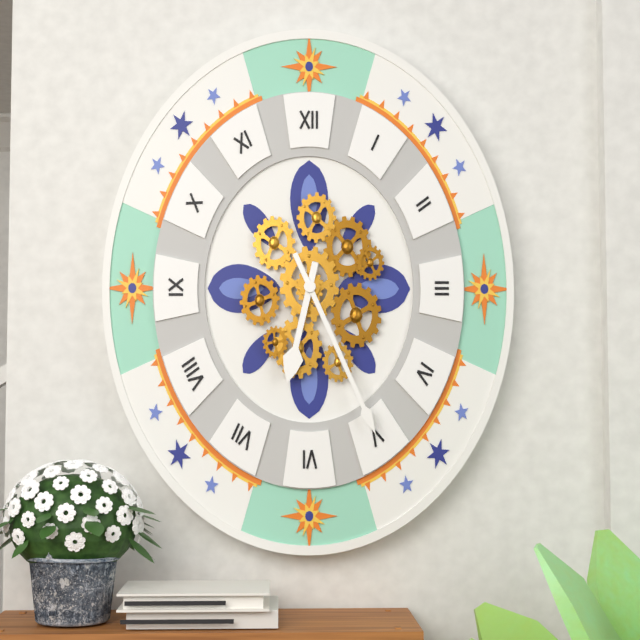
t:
6:26
